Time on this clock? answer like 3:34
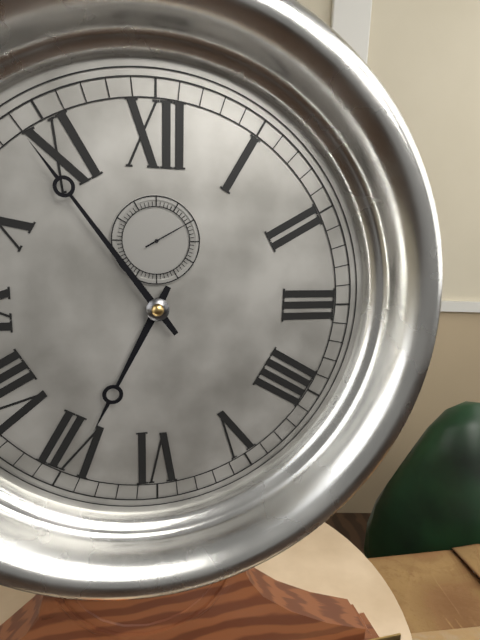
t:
6:54
